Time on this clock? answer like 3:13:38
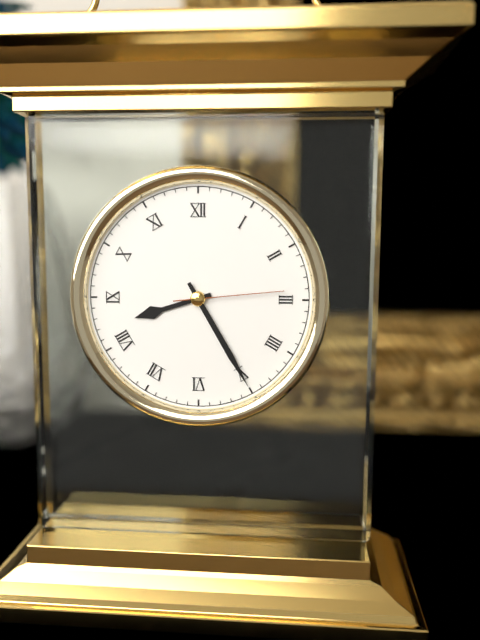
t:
8:25:14
